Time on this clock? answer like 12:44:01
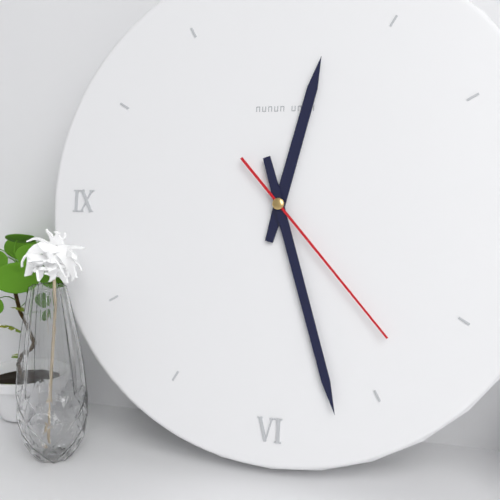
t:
12:27:23
